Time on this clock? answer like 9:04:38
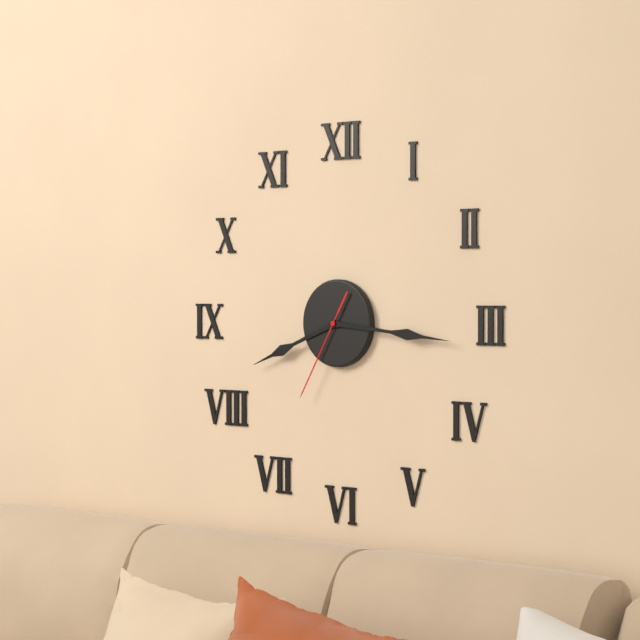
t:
8:16:35
